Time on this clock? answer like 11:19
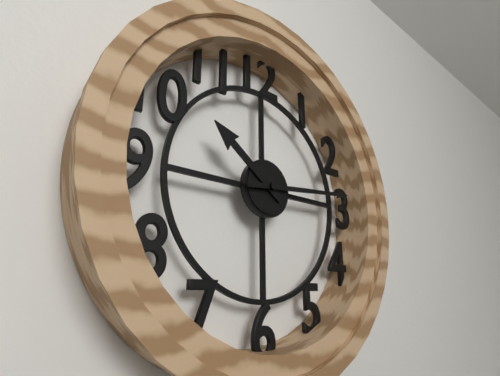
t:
10:14
